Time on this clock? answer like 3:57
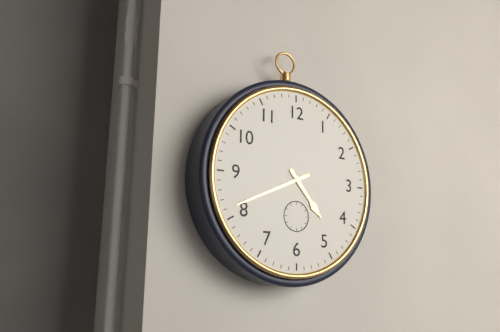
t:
4:41
